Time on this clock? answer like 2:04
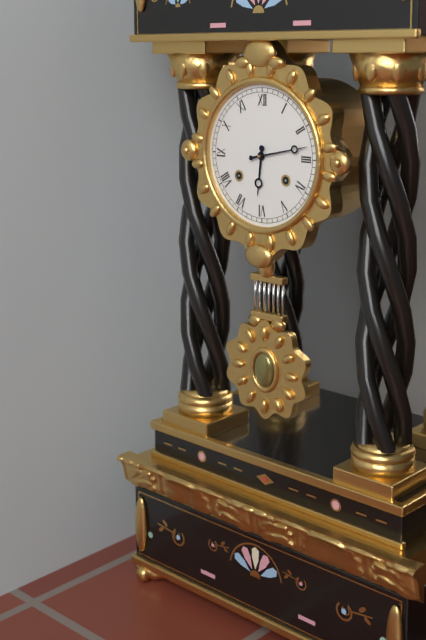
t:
6:13
